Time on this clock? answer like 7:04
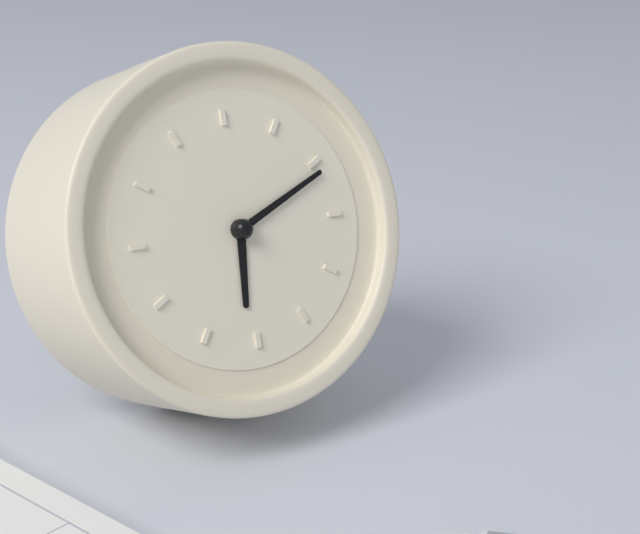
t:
6:11
